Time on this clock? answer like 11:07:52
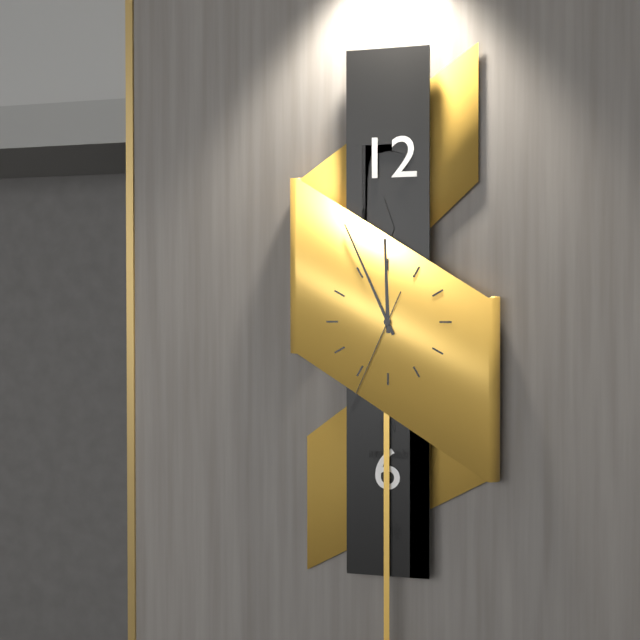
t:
11:56:34
